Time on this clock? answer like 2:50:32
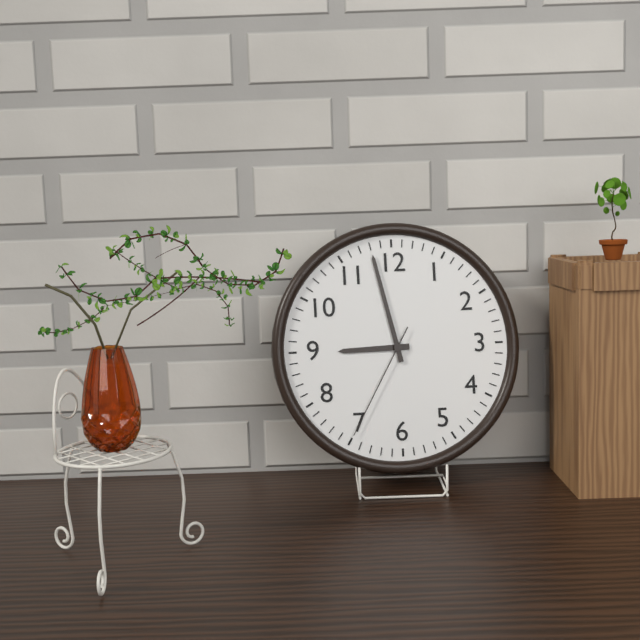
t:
8:58:35
